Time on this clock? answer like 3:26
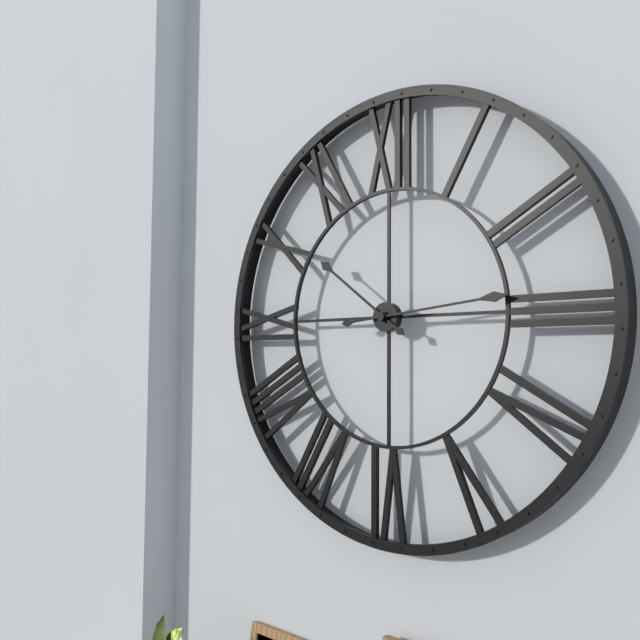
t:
10:14
